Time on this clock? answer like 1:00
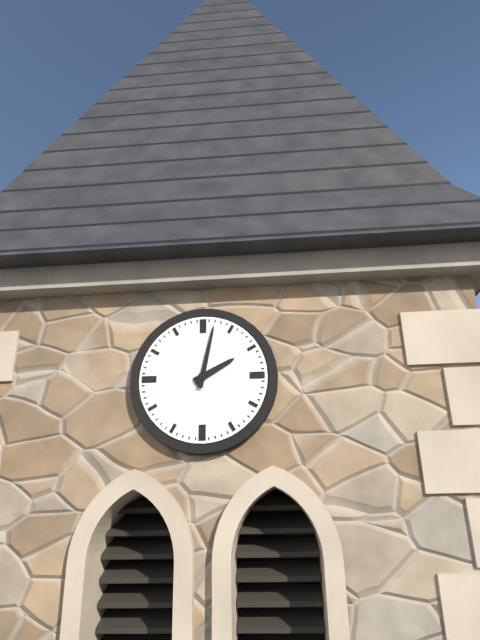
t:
2:02
